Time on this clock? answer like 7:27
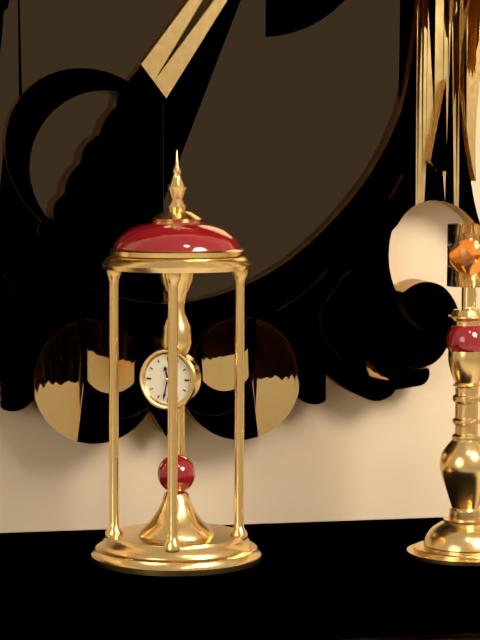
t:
11:32
